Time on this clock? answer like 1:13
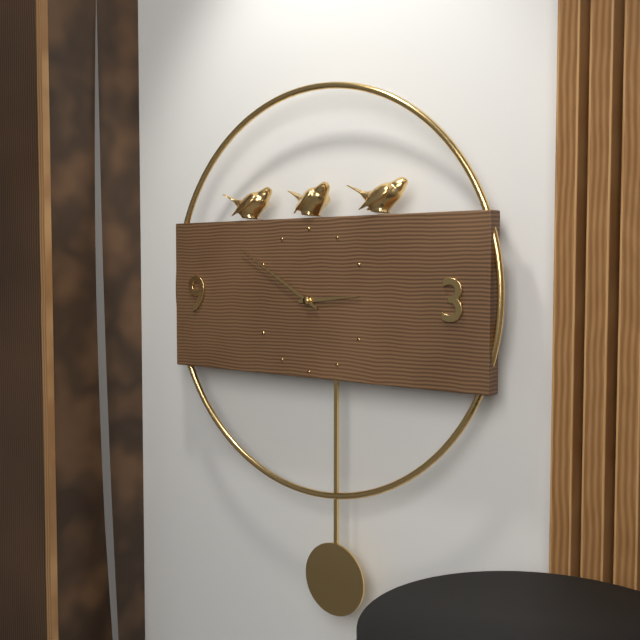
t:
2:50
